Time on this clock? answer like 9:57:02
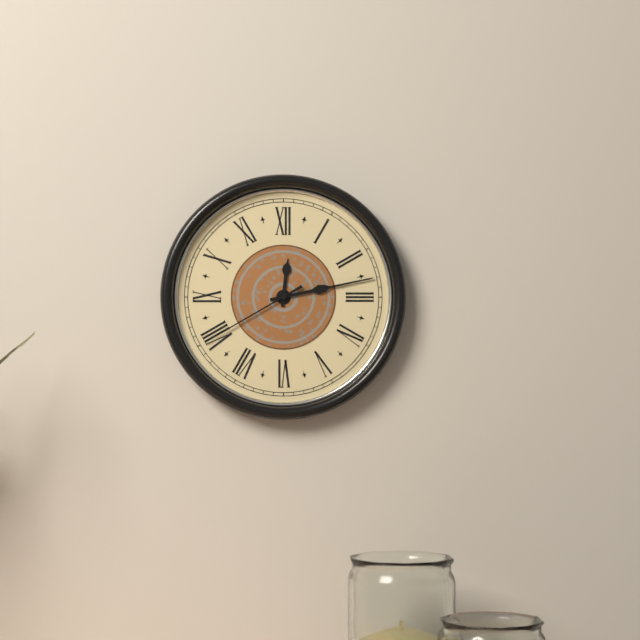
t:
12:13:40
